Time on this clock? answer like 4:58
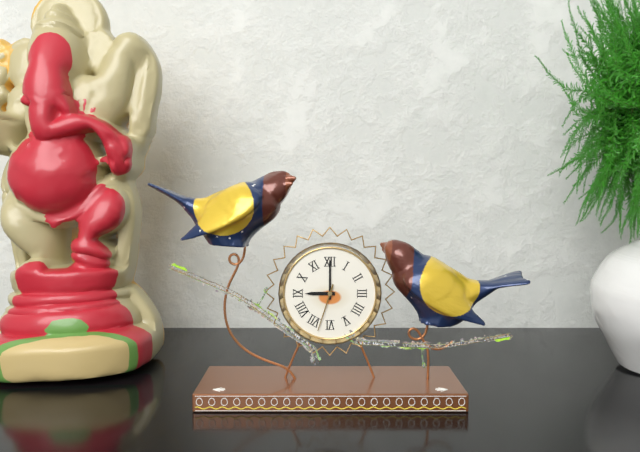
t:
9:00
